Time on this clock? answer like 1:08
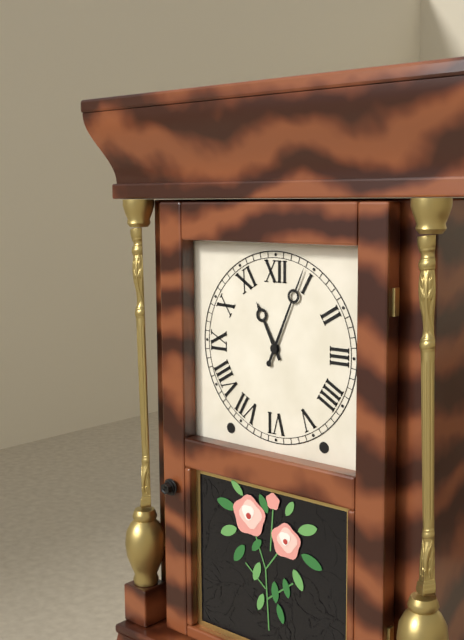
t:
11:04
